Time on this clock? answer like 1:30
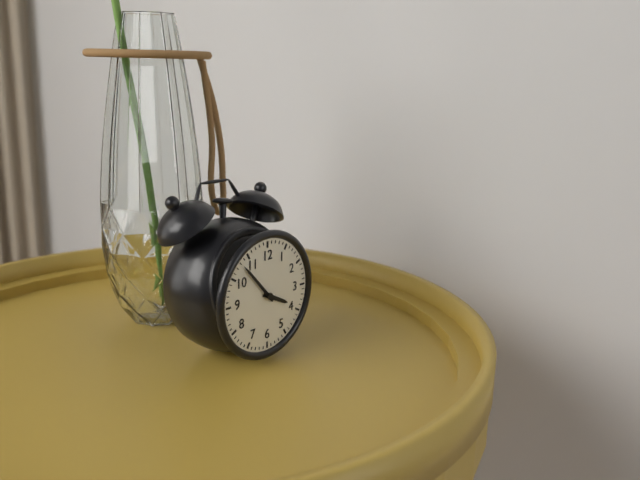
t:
3:53
